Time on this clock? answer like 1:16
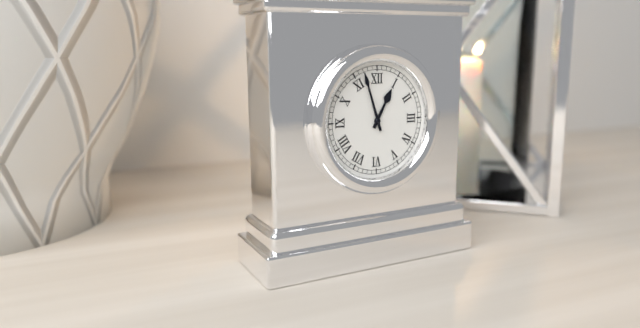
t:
12:57
